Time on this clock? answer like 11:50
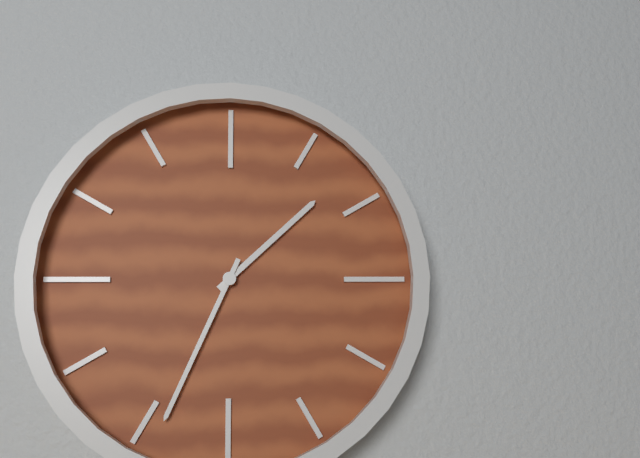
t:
1:34
